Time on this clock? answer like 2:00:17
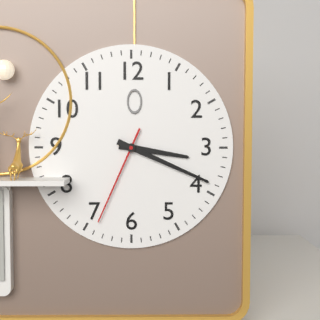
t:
3:19:34
